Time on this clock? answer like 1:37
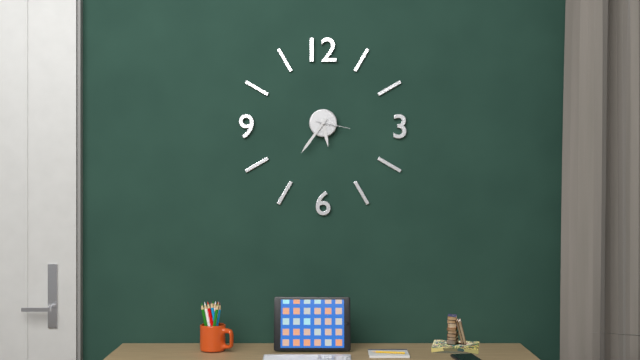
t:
5:36
